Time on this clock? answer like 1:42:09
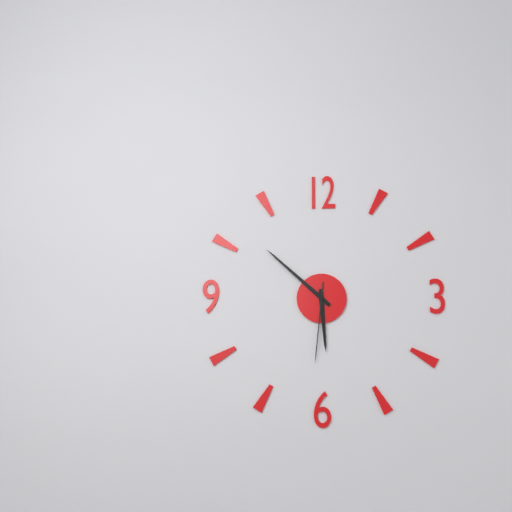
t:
5:52:31
